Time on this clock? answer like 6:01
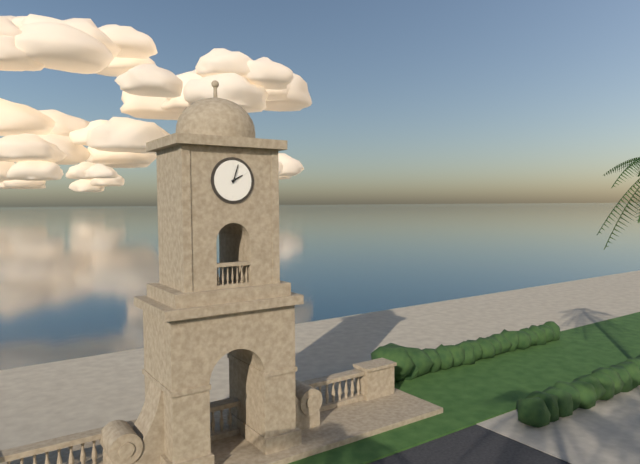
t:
2:03
